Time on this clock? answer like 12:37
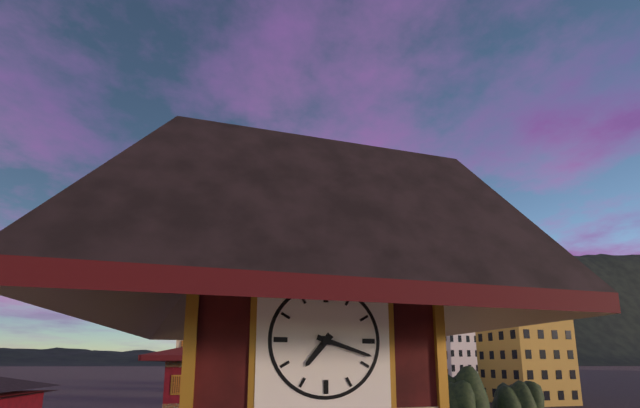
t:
7:18
